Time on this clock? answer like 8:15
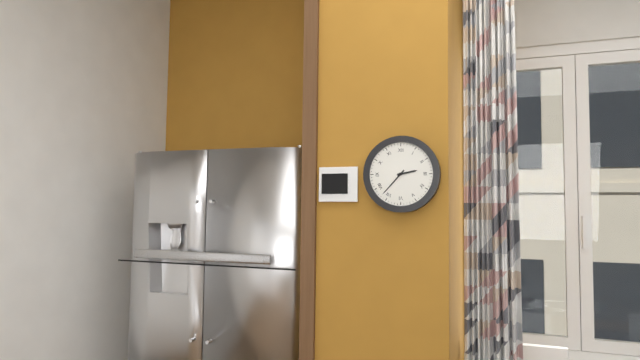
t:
2:37
